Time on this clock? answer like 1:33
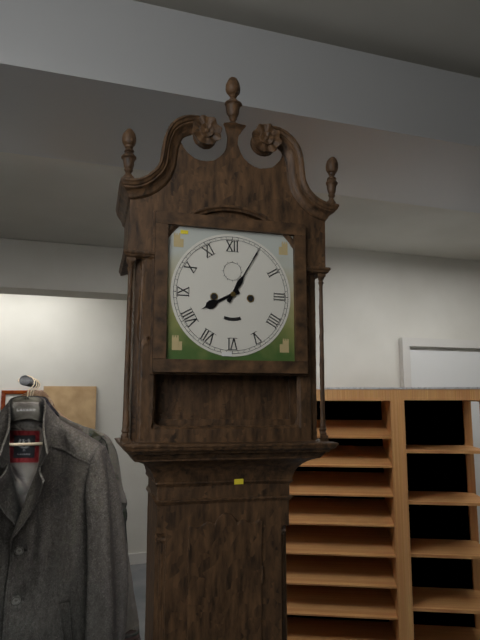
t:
8:05
